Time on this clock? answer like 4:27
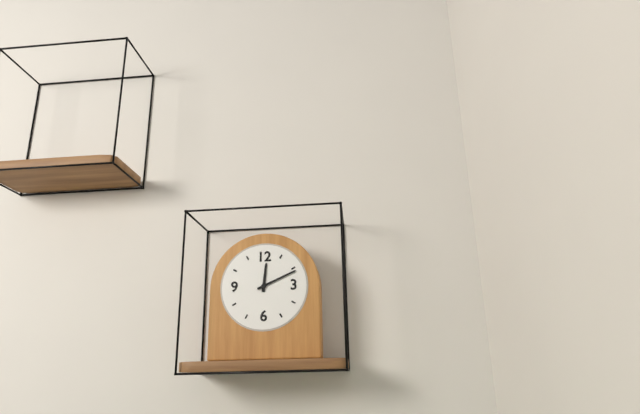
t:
12:11
